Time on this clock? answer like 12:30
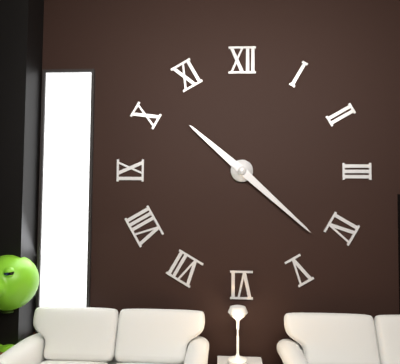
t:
10:22
